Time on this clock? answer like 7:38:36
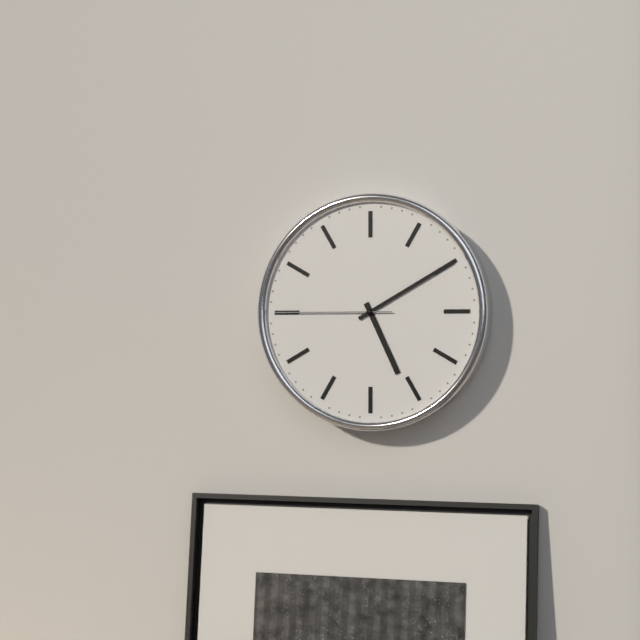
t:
5:10:45
